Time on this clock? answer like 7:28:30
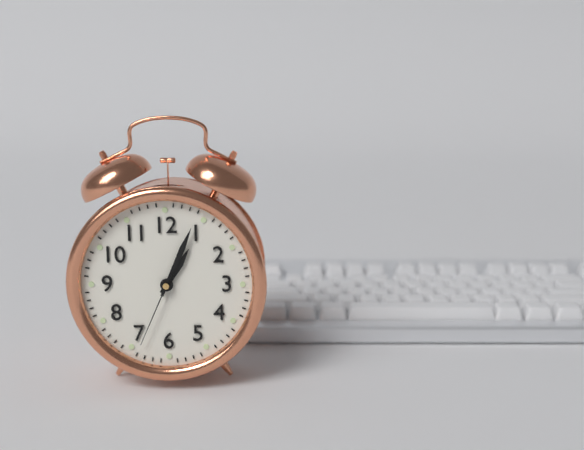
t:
1:04:34
